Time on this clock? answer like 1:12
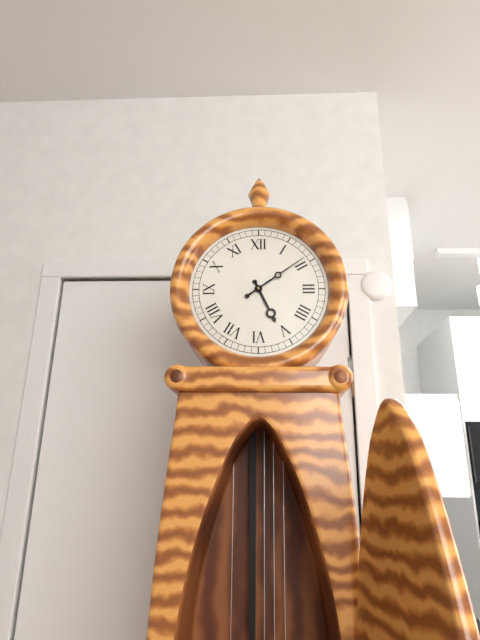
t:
5:09
